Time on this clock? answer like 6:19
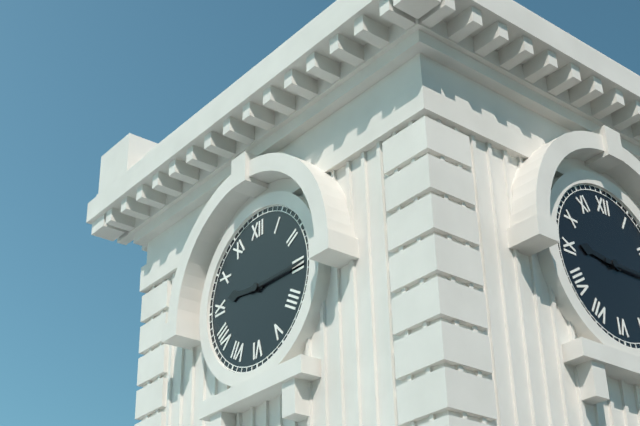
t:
9:15
